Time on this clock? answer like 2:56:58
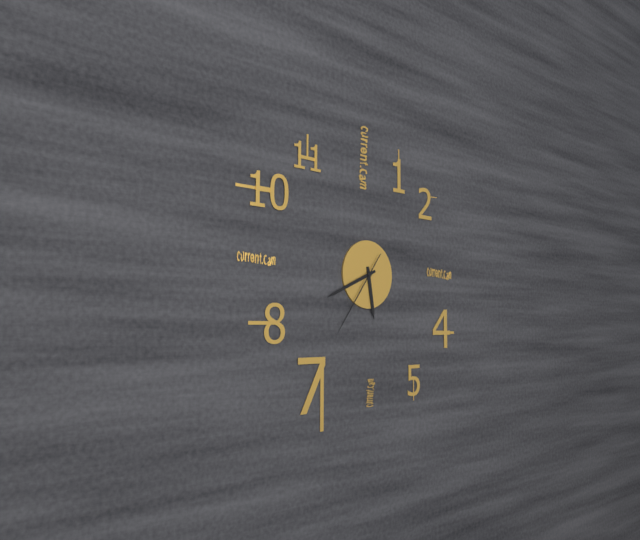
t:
5:41:36
